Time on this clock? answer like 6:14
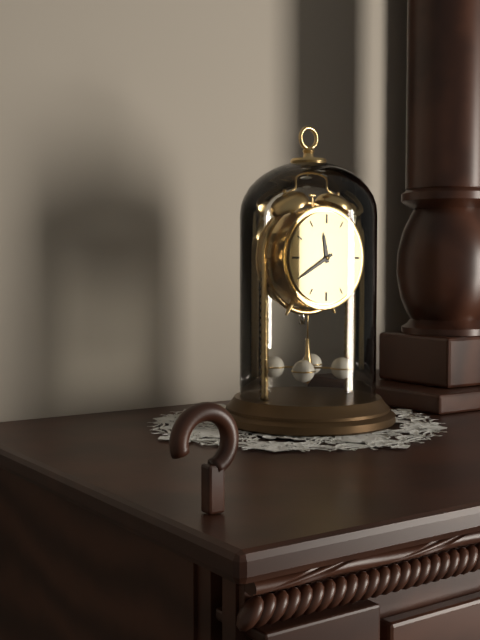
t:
11:40
